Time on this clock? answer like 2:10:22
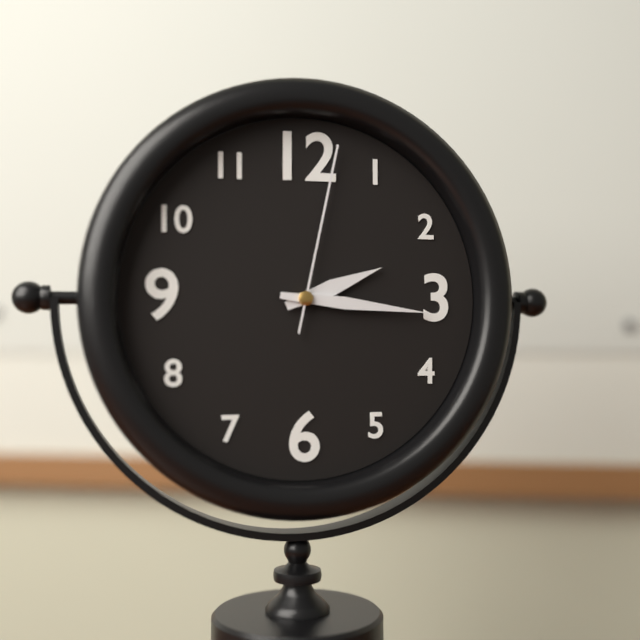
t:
2:16:02
